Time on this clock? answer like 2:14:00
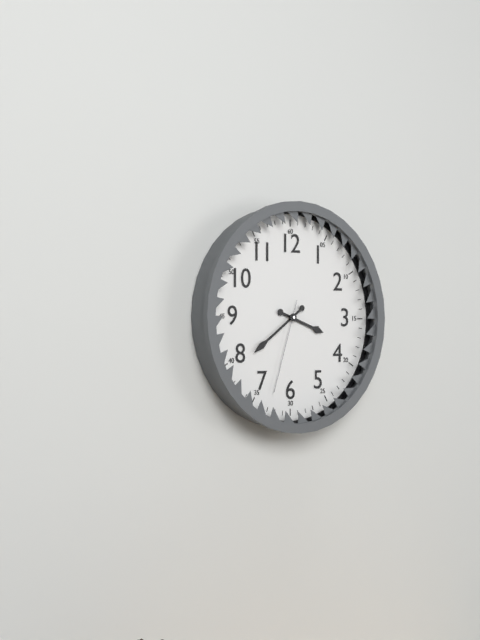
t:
3:39:33
